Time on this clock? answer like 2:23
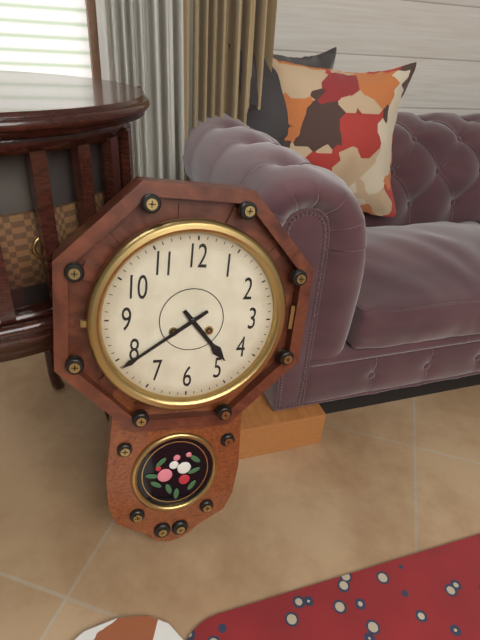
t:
4:39
